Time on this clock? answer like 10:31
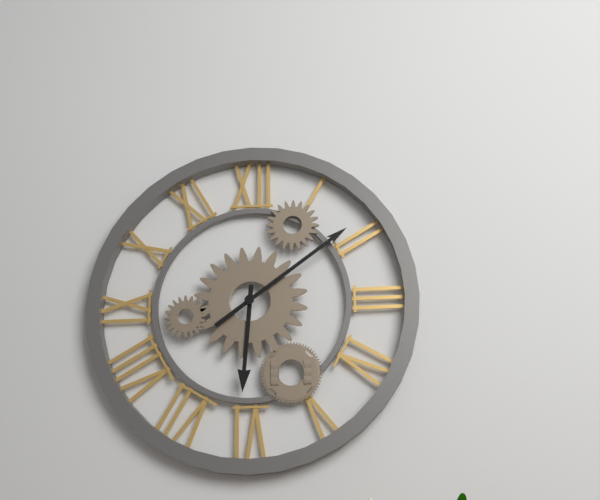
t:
6:09
